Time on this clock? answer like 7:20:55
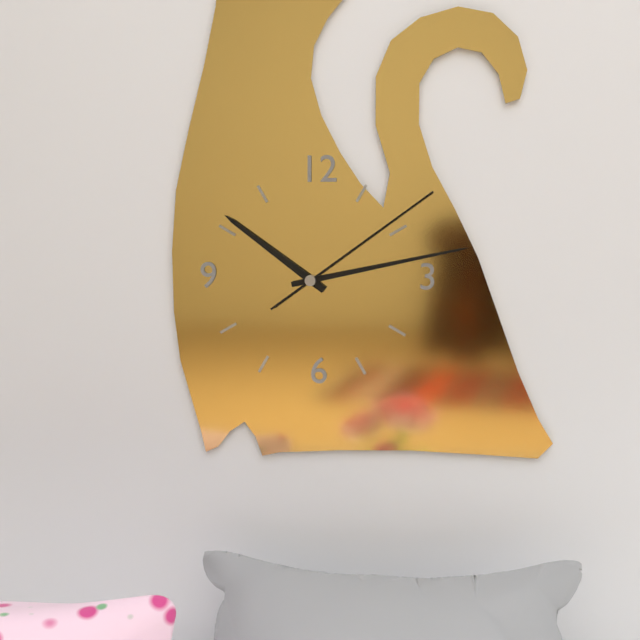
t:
10:13:09
